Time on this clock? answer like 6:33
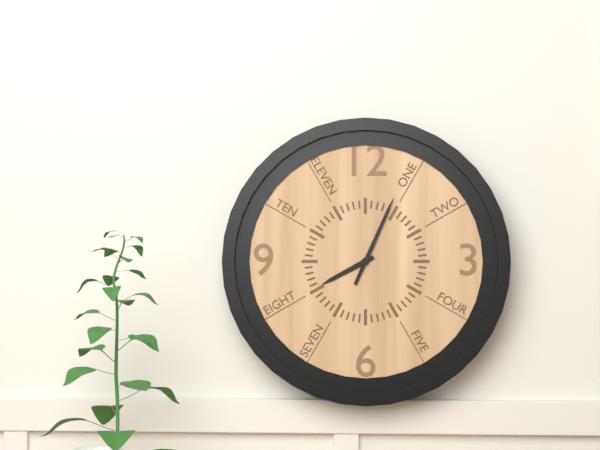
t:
8:04
